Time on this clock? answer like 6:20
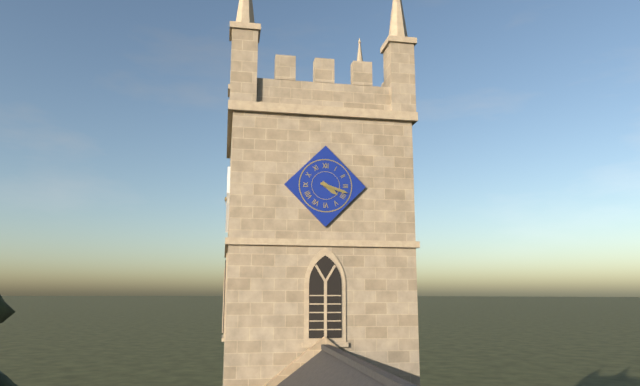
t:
4:18
